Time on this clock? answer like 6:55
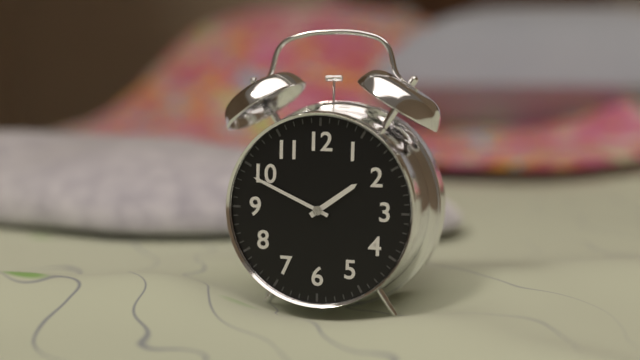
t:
1:49
